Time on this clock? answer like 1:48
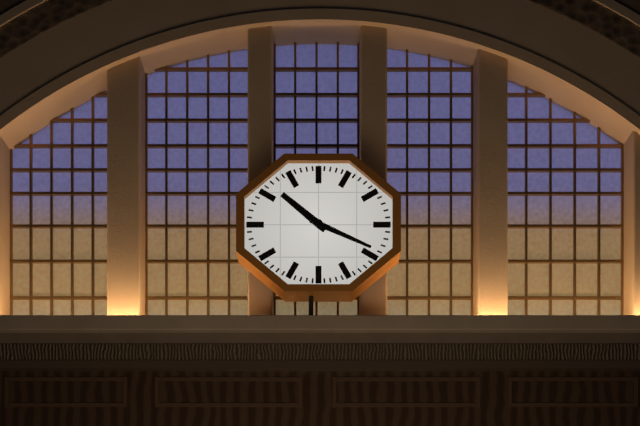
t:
10:19
